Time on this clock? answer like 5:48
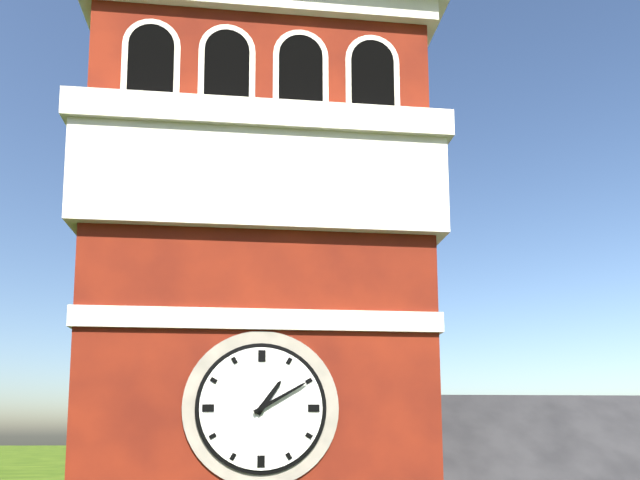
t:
1:10
